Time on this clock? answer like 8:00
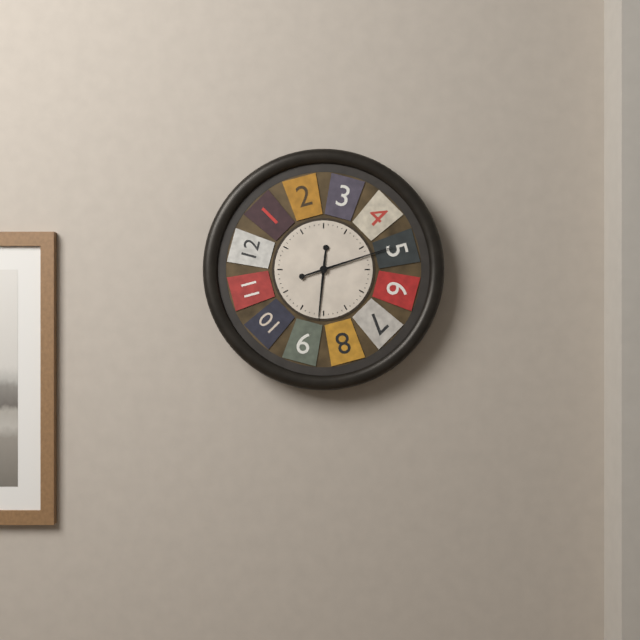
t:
6:12
